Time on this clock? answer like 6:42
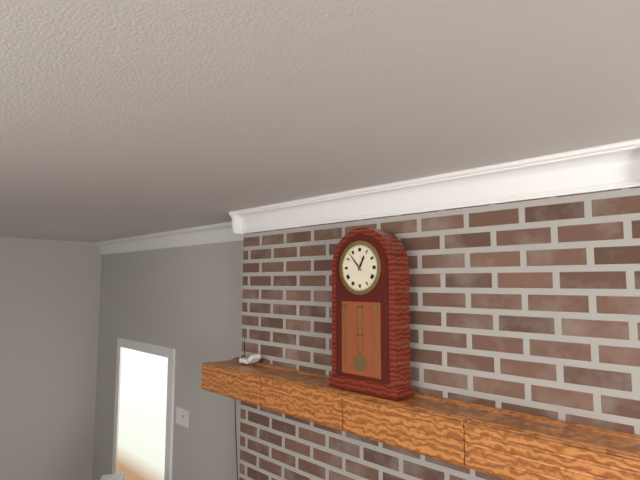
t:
12:53
